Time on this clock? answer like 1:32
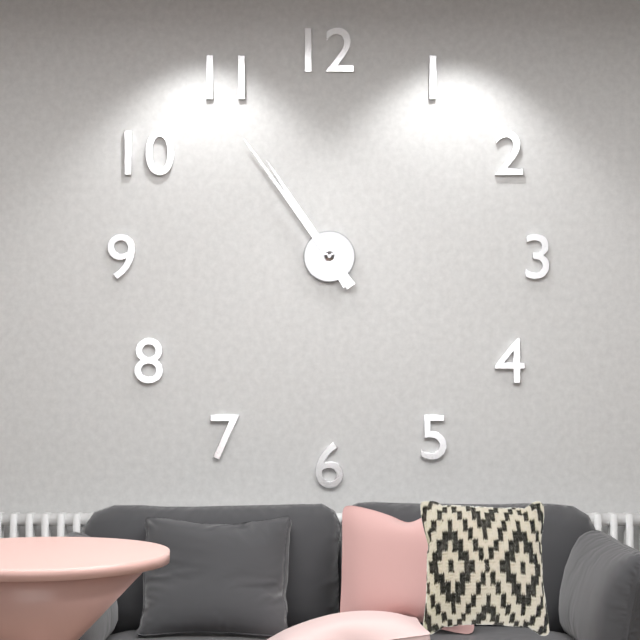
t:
10:54
